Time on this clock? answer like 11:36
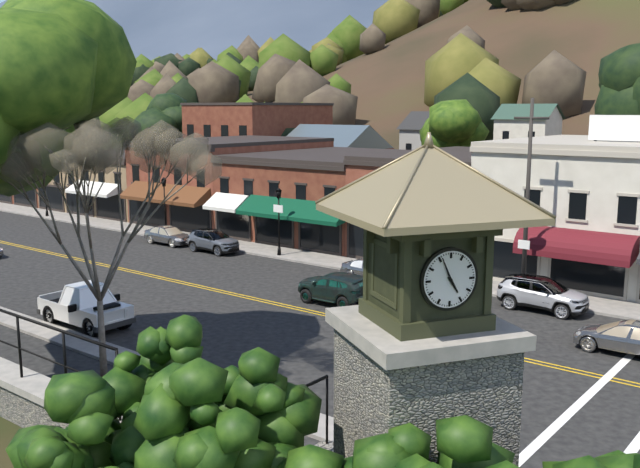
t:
4:56
